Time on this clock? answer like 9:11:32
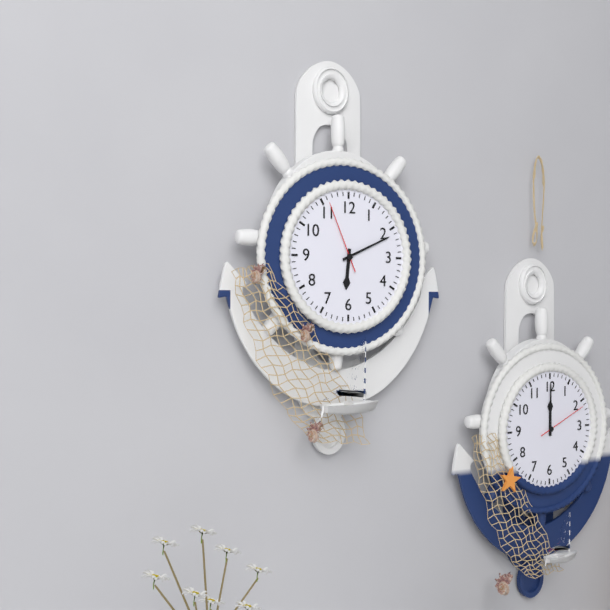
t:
6:11:56
